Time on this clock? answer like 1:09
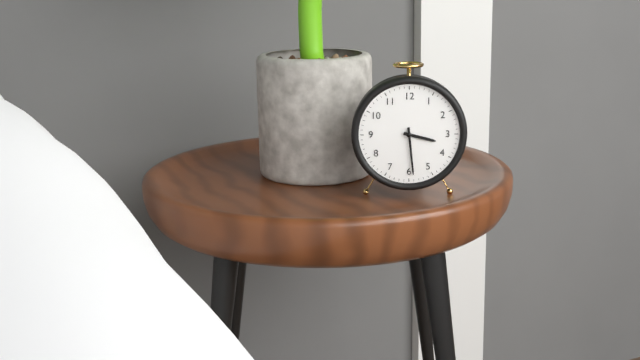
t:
3:29
